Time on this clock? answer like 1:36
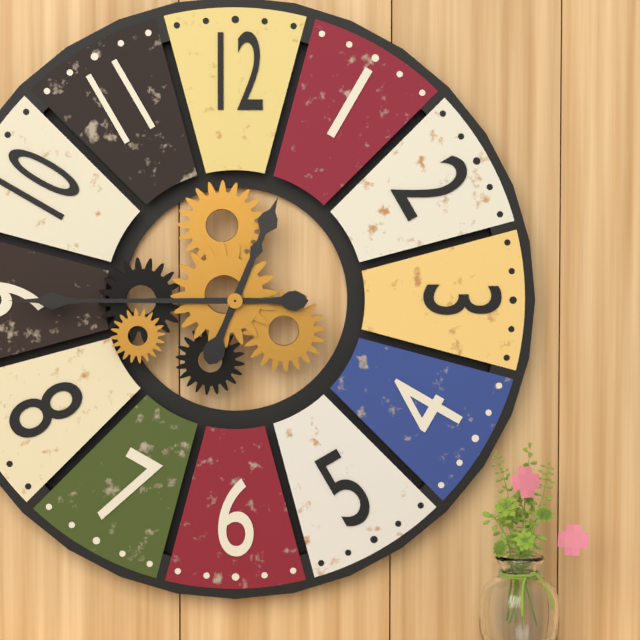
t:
12:45
